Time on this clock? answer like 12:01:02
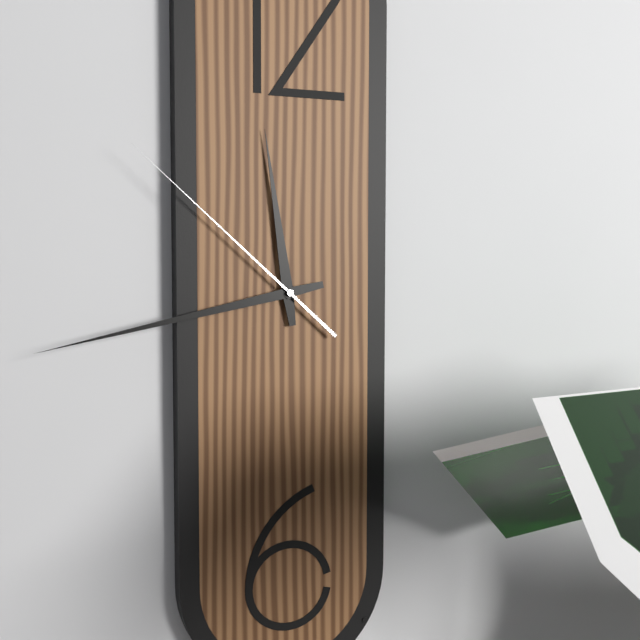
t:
11:43:52
